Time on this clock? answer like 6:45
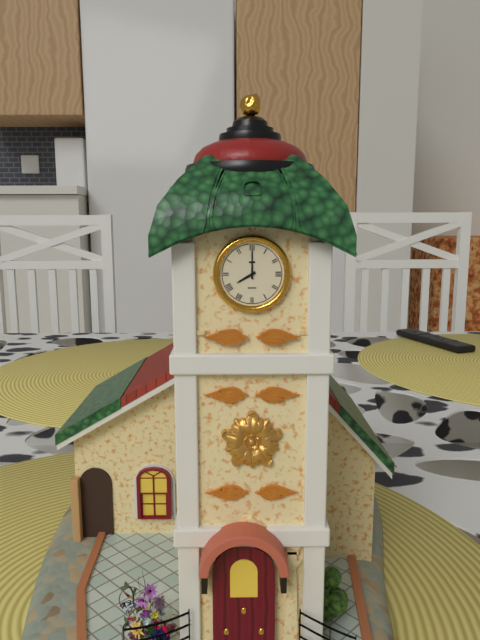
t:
8:00
